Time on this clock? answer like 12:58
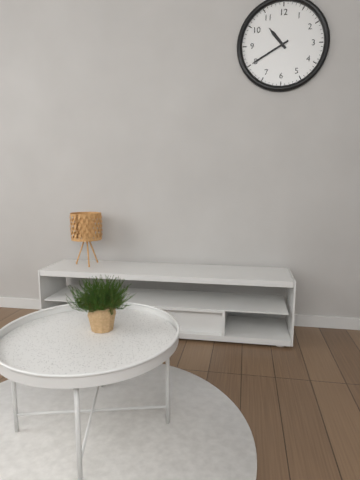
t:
10:40
